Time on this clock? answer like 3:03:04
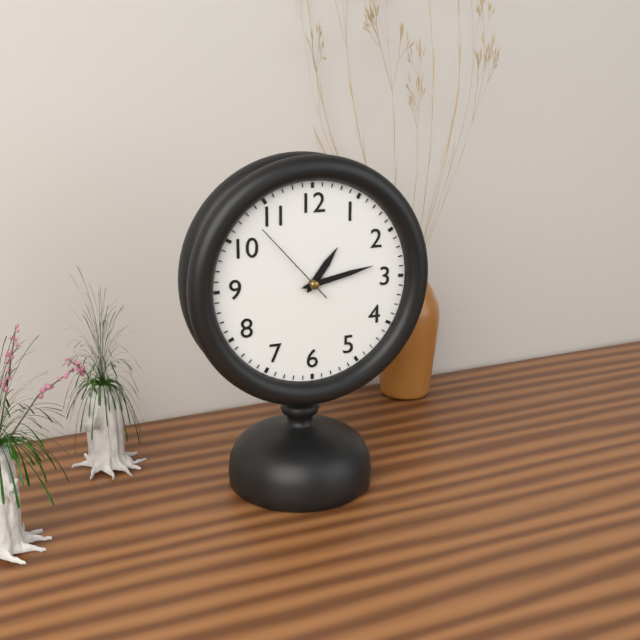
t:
1:13:53
